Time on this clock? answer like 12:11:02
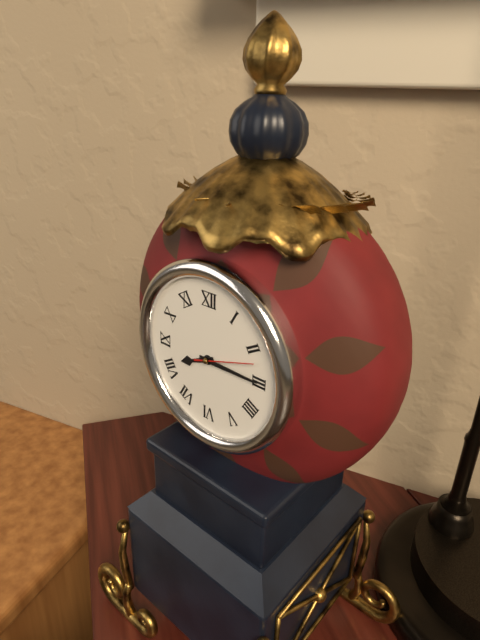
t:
8:15:12
